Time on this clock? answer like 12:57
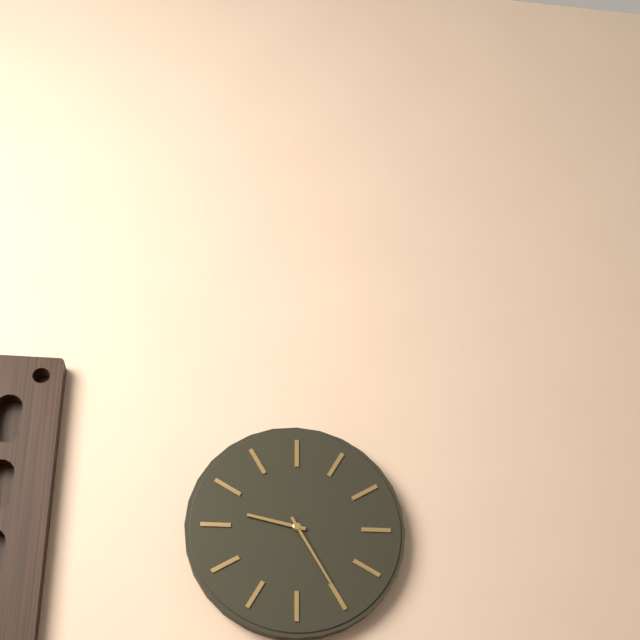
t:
9:25
